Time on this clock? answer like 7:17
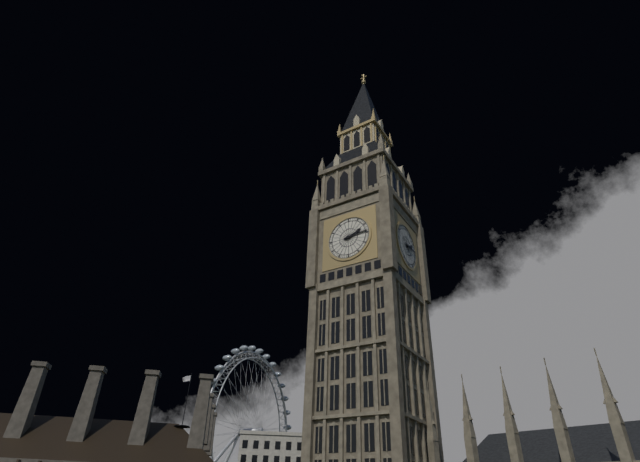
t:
2:14
